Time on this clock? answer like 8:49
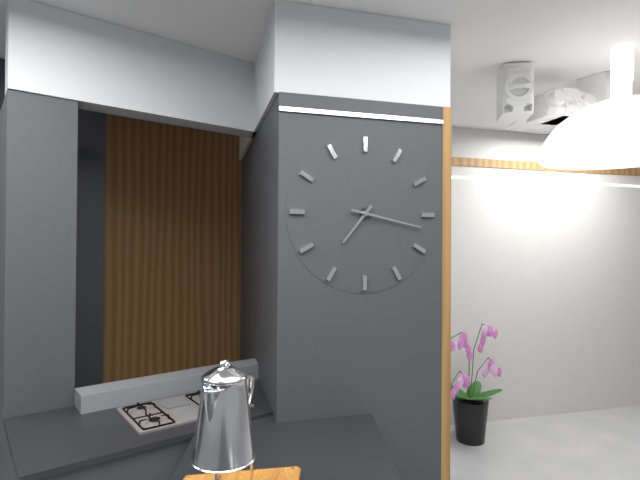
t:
7:17
